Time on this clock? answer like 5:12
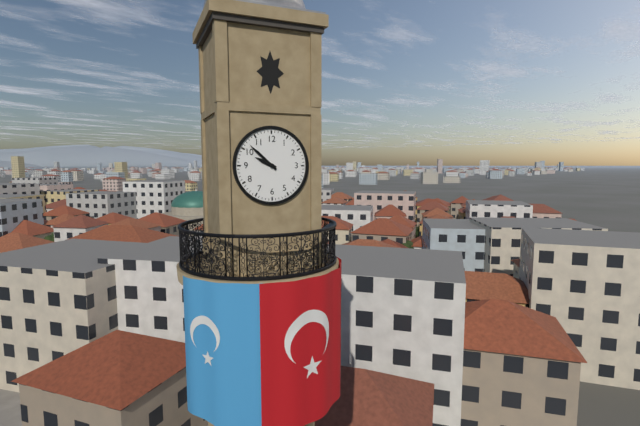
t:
9:52
